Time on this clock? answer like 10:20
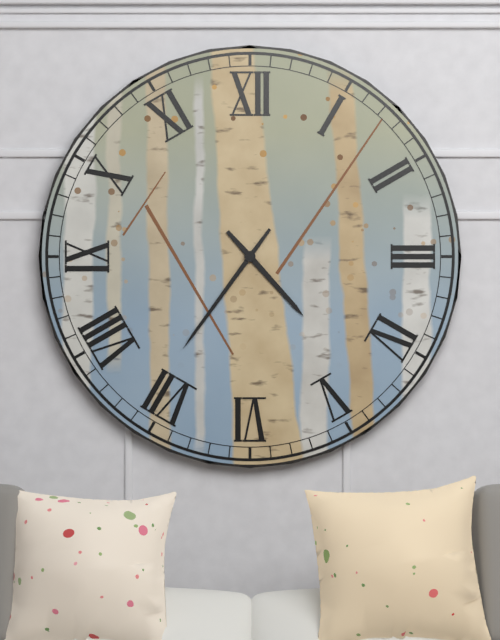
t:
4:36
